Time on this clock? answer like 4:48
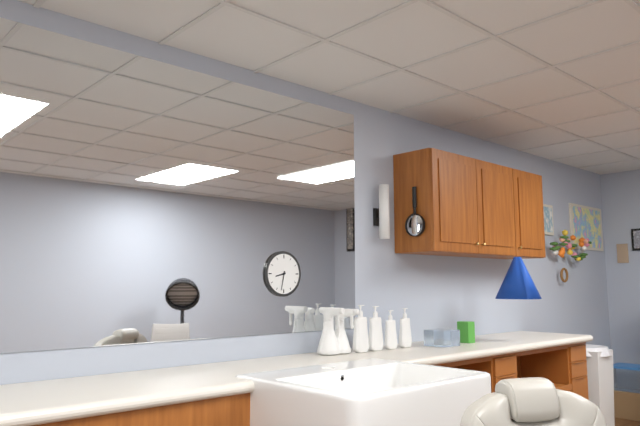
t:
8:32
